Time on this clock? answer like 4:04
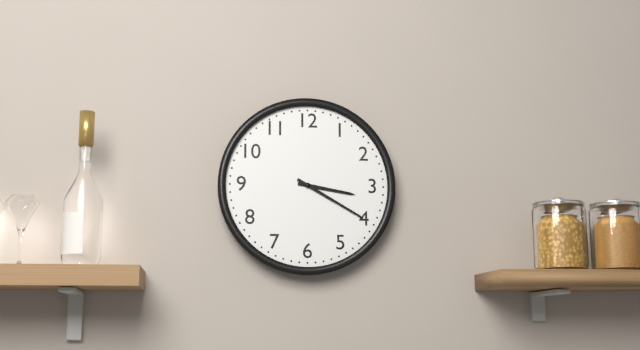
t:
3:20
